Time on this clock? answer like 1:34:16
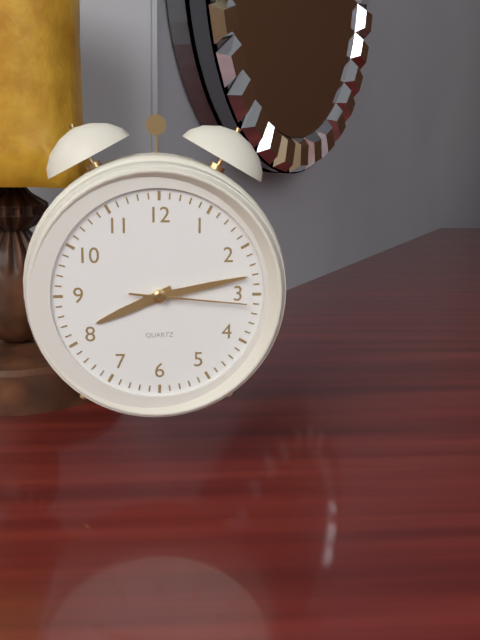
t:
8:13:16
